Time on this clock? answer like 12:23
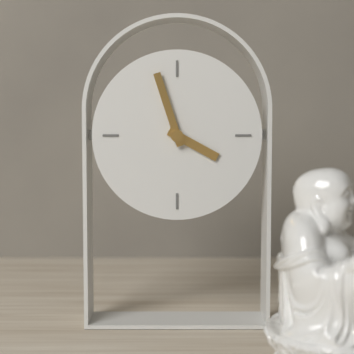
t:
3:57
